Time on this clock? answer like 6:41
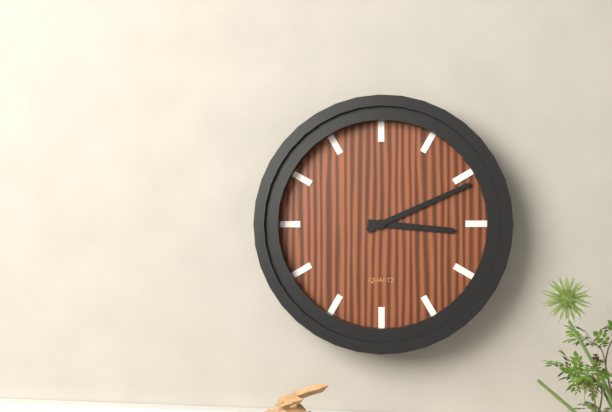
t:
3:11
